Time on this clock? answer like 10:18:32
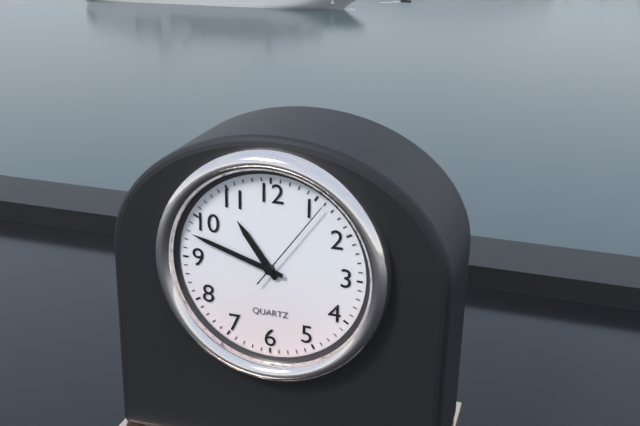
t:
10:48:06
